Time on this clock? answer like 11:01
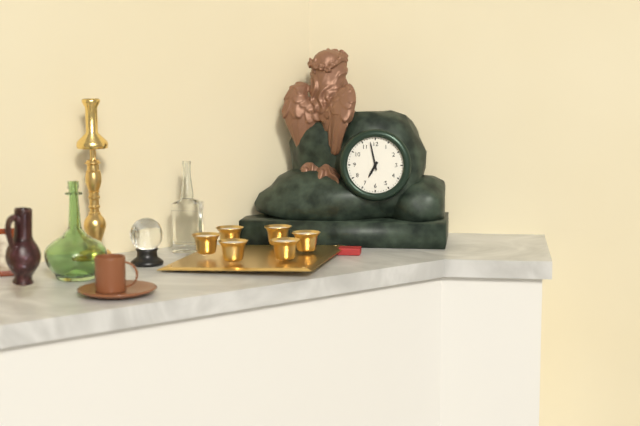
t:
6:58
